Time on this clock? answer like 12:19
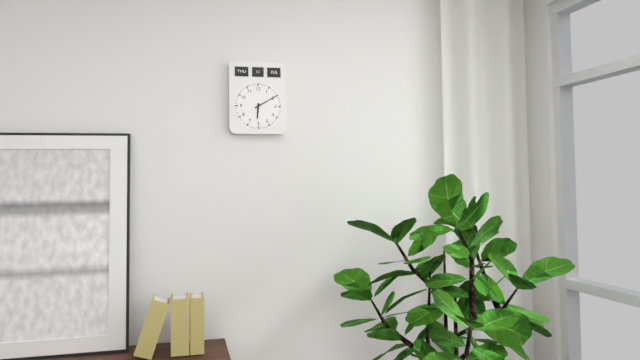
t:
6:10
